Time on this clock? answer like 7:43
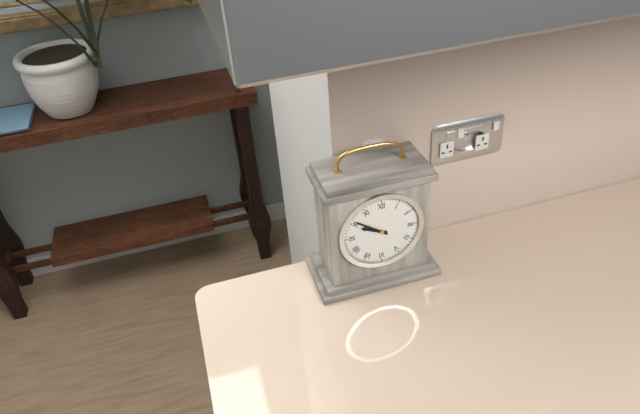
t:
9:51
